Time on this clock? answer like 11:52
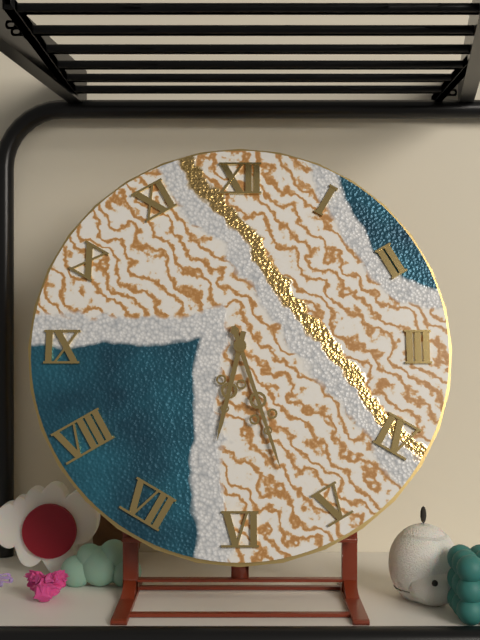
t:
6:27
